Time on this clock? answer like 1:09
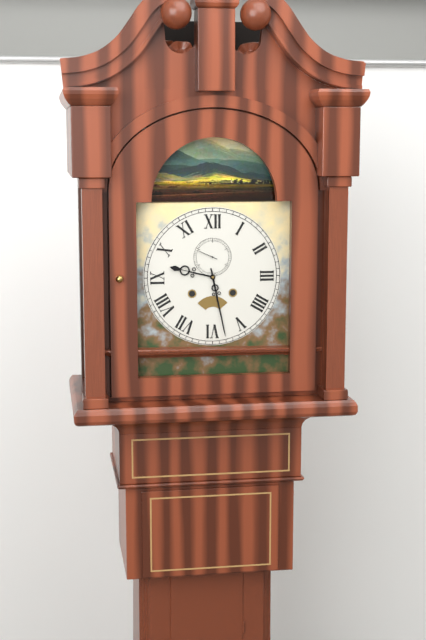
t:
9:28
